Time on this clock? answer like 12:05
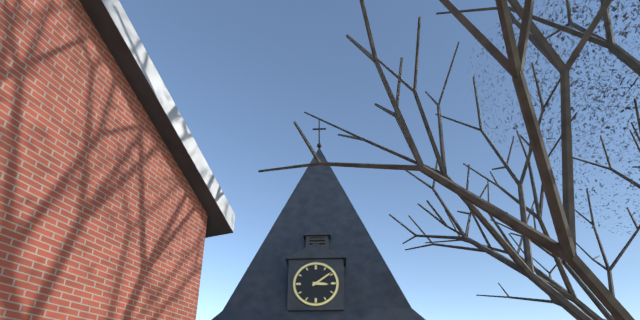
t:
3:09
